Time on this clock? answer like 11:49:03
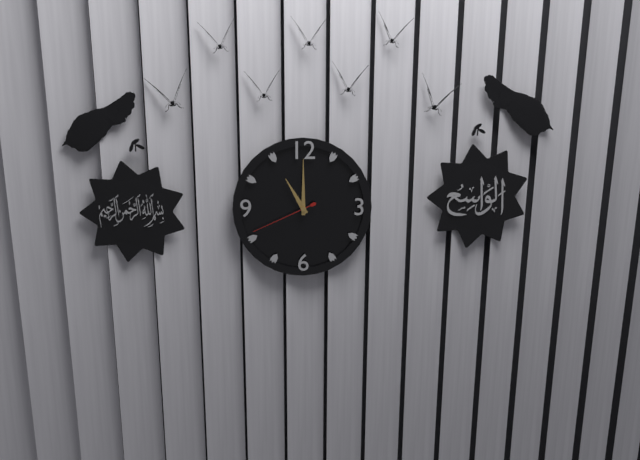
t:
11:00:41
